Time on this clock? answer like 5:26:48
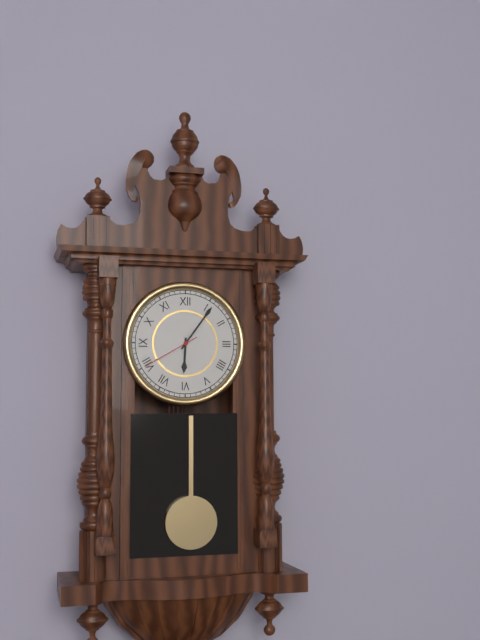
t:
6:06:40
